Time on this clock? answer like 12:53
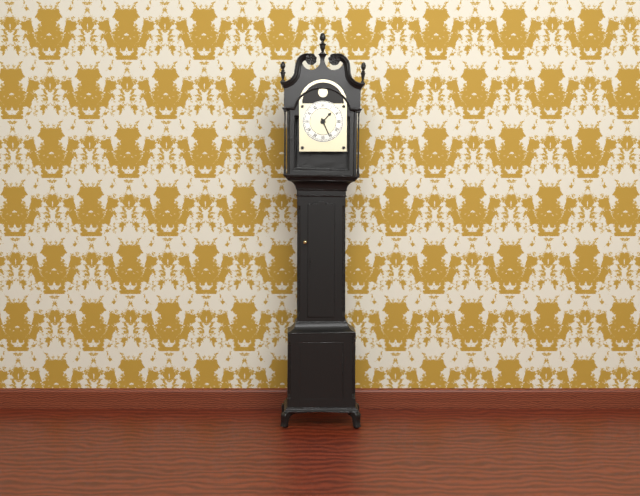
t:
1:26
